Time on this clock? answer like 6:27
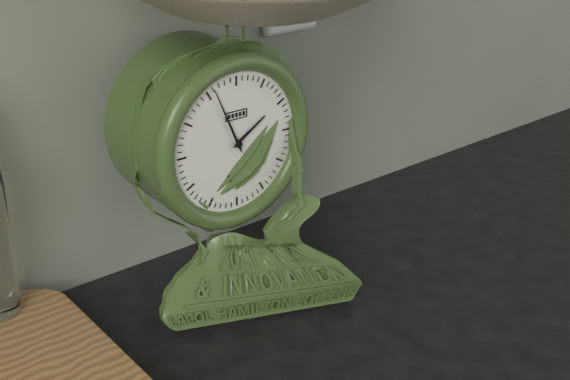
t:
1:56
